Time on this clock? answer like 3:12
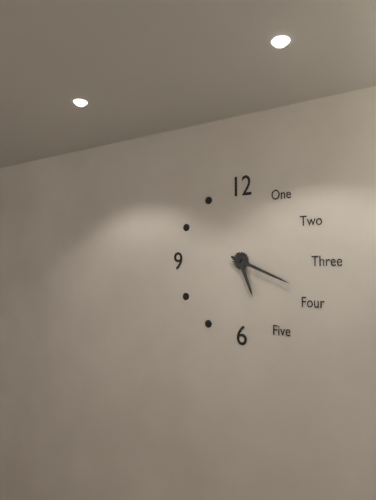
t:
5:19
